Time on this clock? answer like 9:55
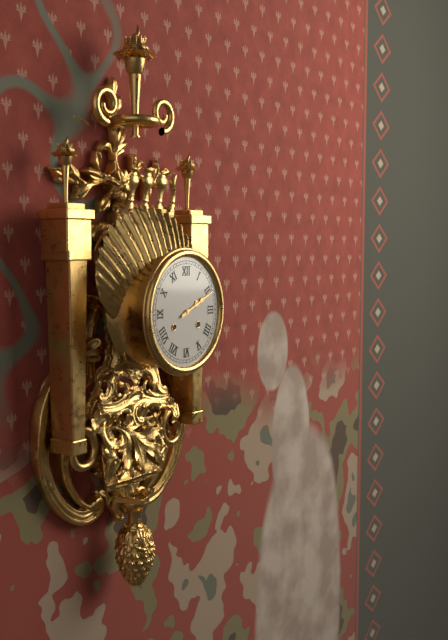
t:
2:11
